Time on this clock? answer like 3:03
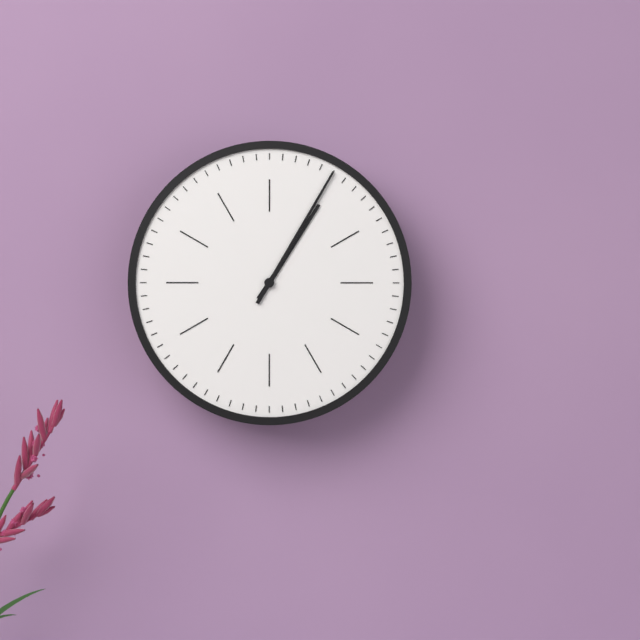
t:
1:05
